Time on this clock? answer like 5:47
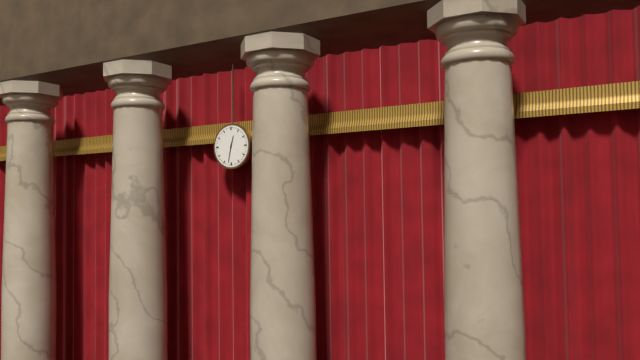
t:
12:32
